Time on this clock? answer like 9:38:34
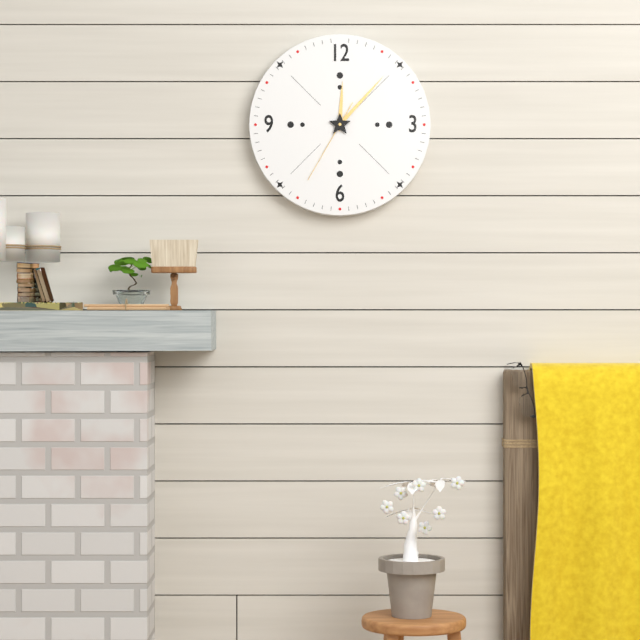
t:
12:07:35
